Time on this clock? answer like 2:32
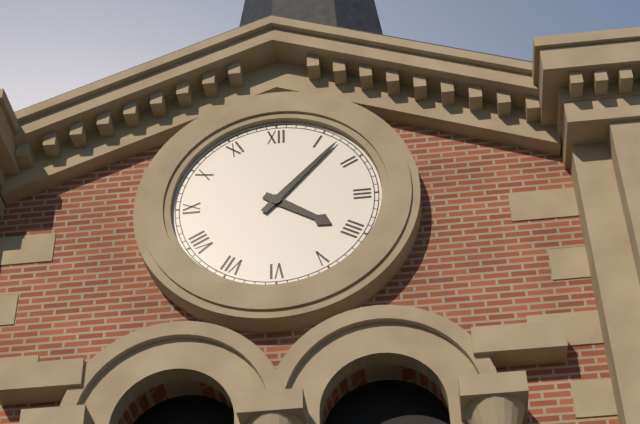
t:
4:07
